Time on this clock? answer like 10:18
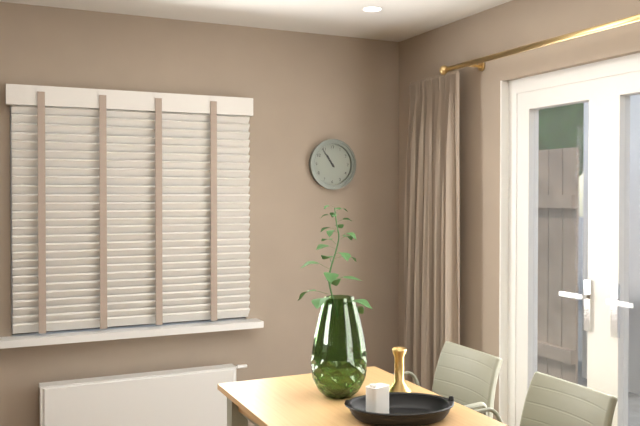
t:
10:54
